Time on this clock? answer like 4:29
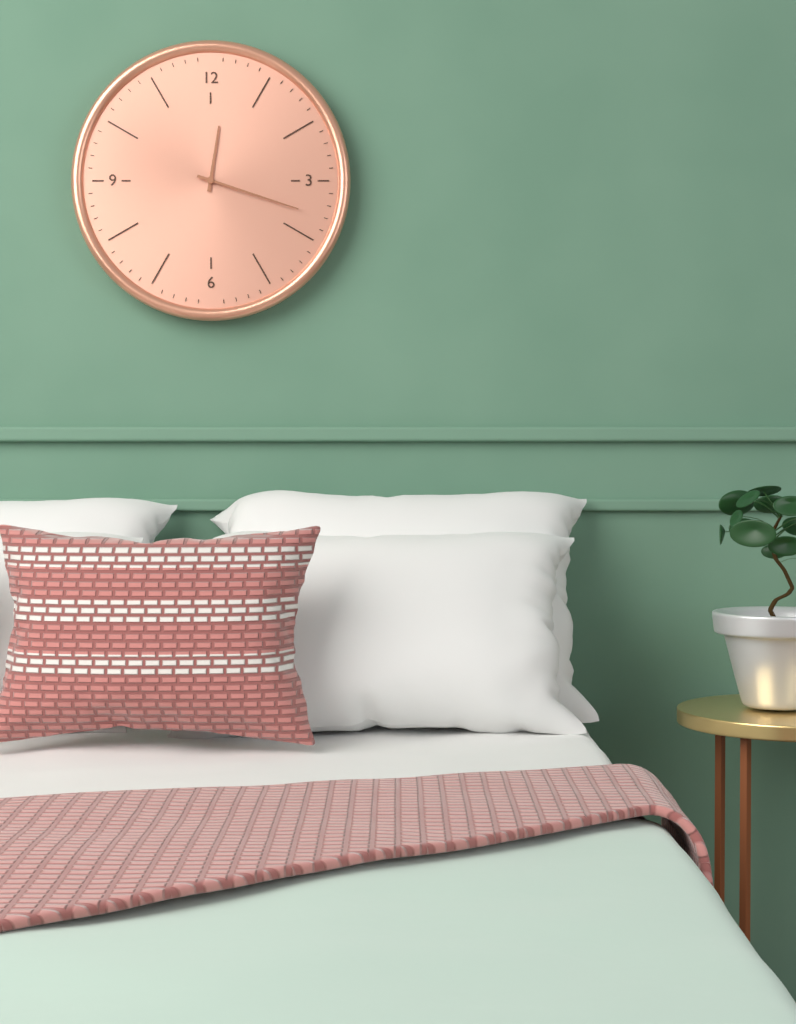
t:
12:18
